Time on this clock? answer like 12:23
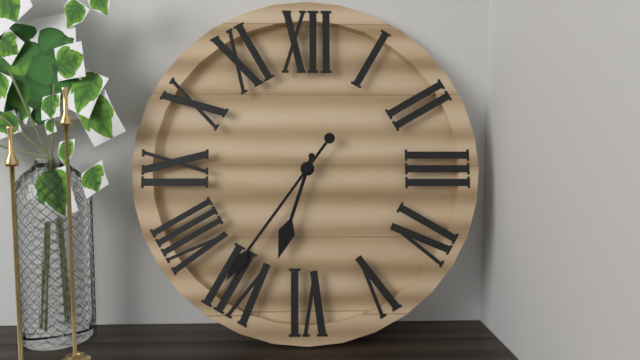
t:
6:36
